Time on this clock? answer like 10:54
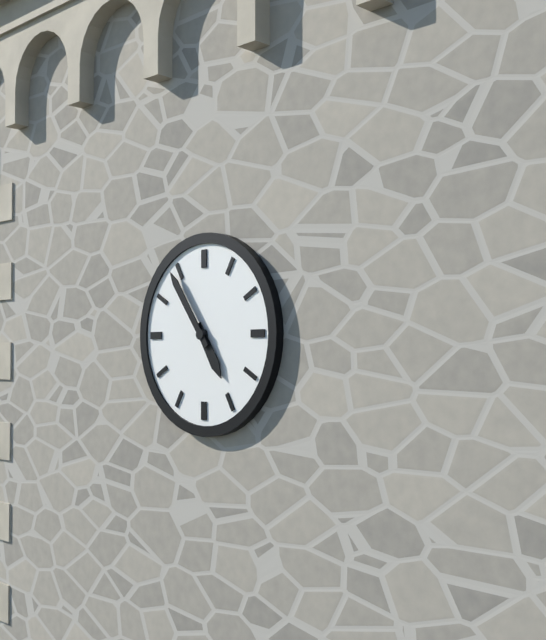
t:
4:54
